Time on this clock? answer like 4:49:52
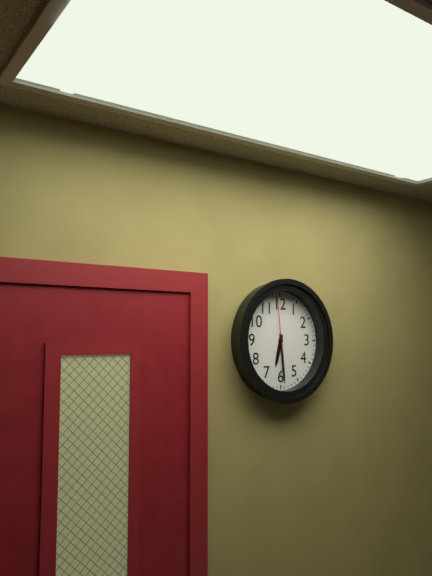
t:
6:29:59
